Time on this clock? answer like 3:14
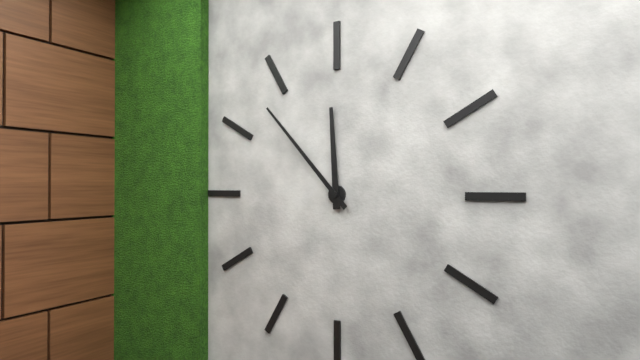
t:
11:53
